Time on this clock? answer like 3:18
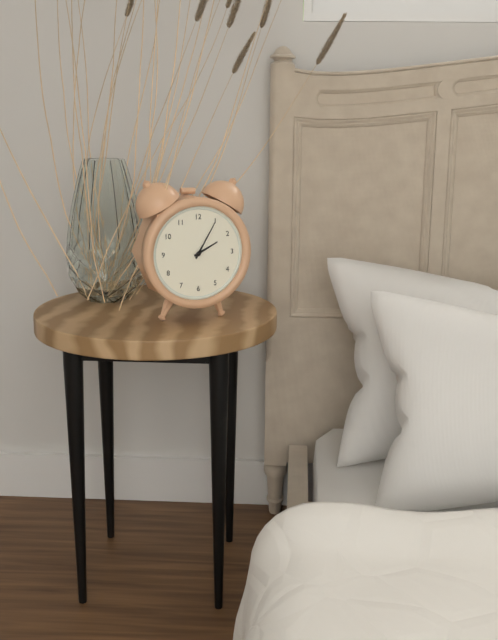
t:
2:05
